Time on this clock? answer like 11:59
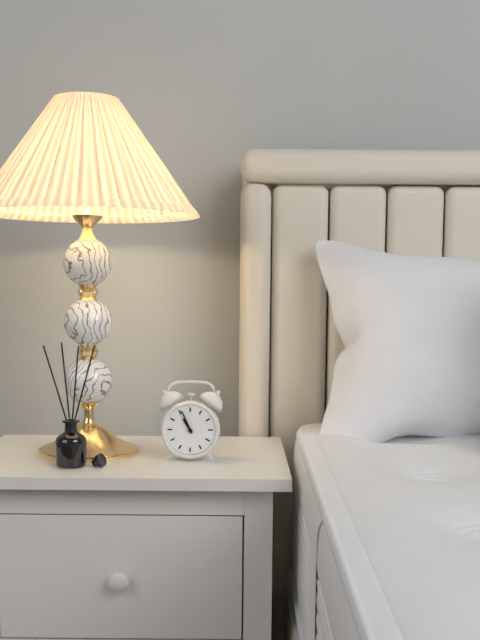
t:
10:56
